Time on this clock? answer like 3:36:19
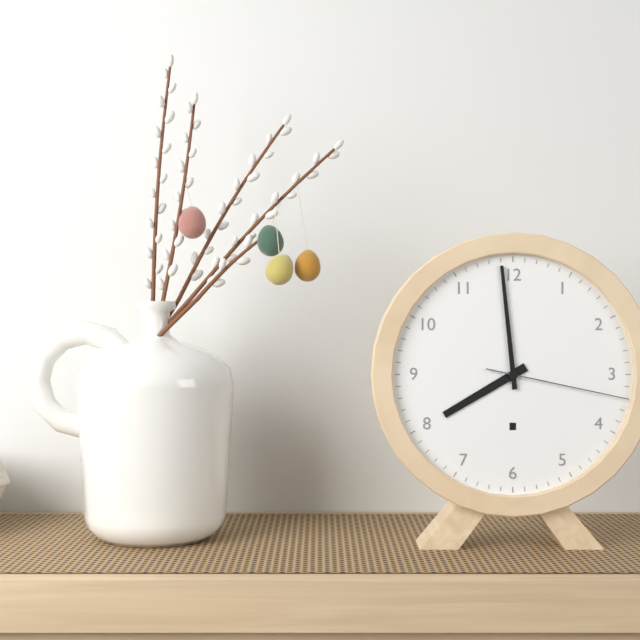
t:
7:59:17
